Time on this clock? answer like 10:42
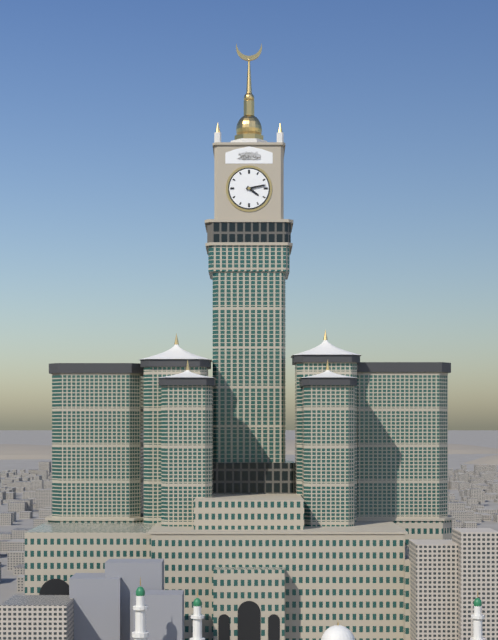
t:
4:13
